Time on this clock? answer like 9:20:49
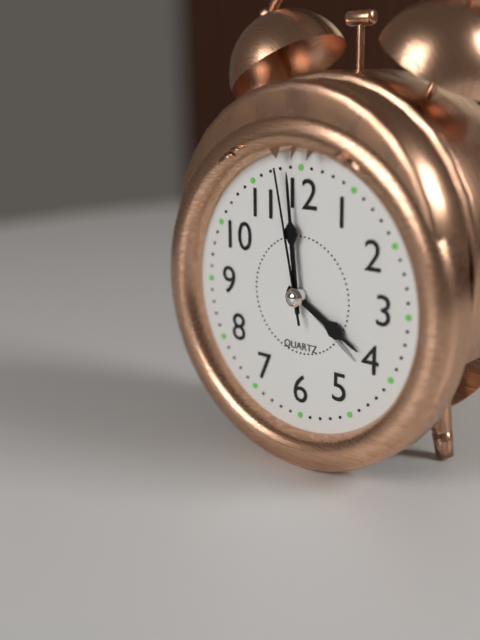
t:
3:59:58
